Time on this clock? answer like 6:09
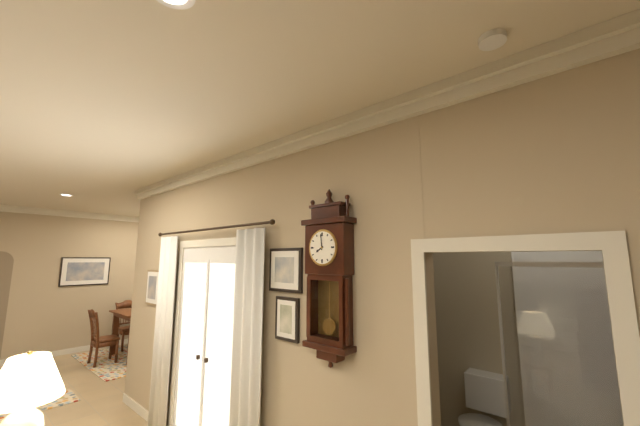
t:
7:59
